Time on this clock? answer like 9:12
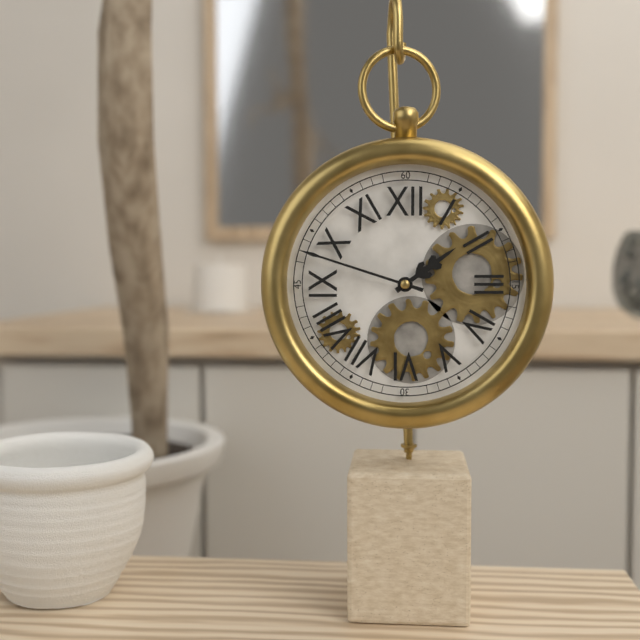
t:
1:48
